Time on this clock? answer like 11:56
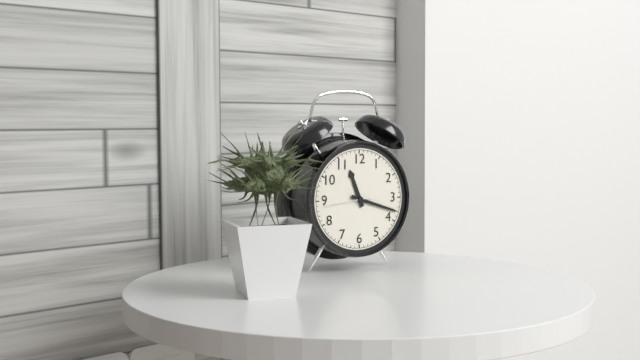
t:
11:18
